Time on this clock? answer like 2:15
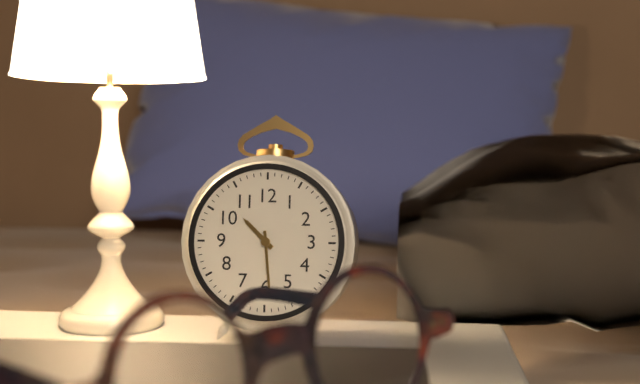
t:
10:29
